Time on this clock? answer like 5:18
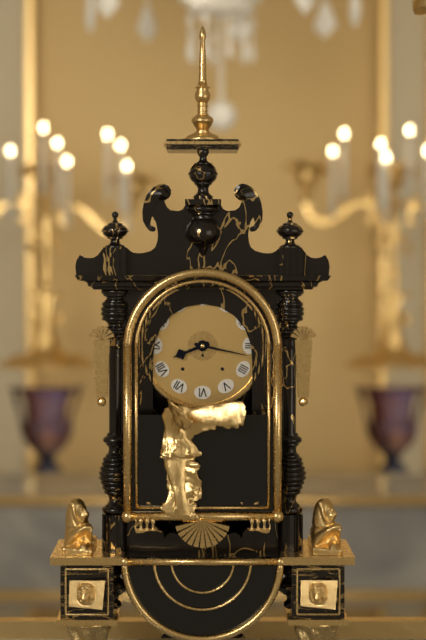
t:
8:17
